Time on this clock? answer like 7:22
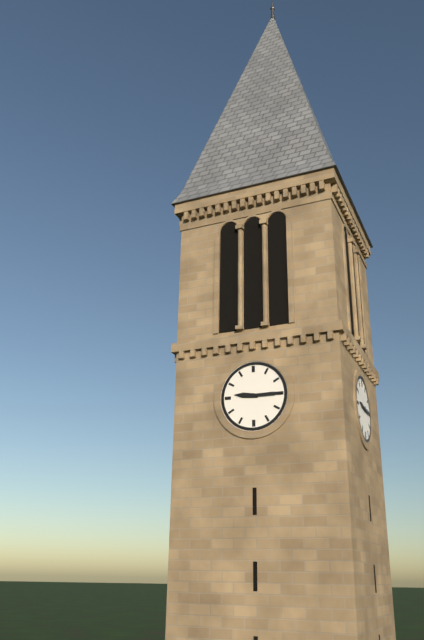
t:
9:15
